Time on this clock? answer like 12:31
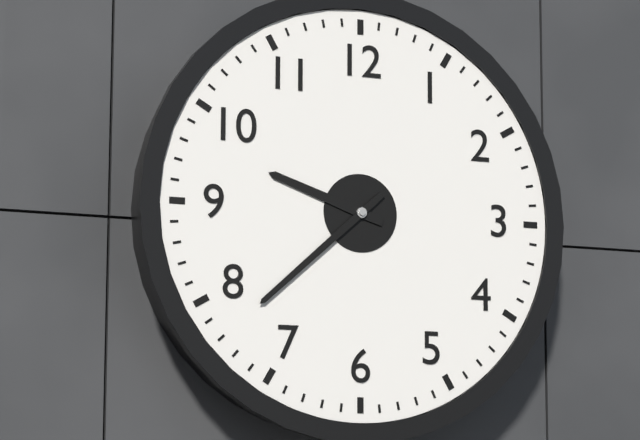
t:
9:38
